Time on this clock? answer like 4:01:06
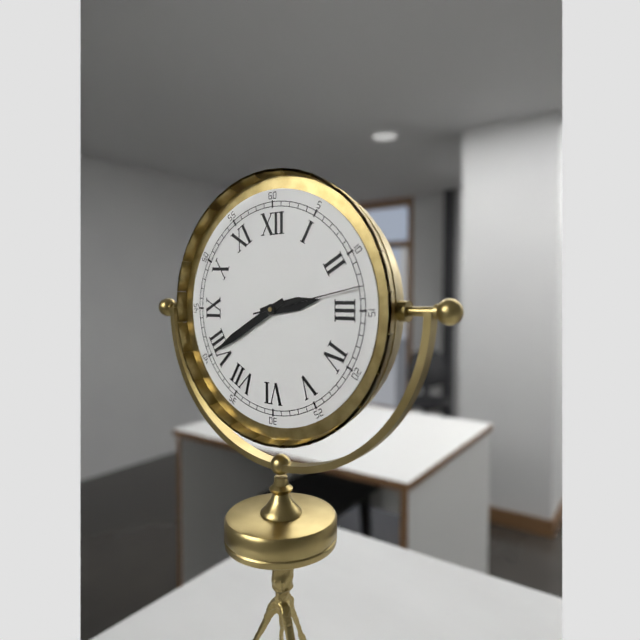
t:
2:40:13
